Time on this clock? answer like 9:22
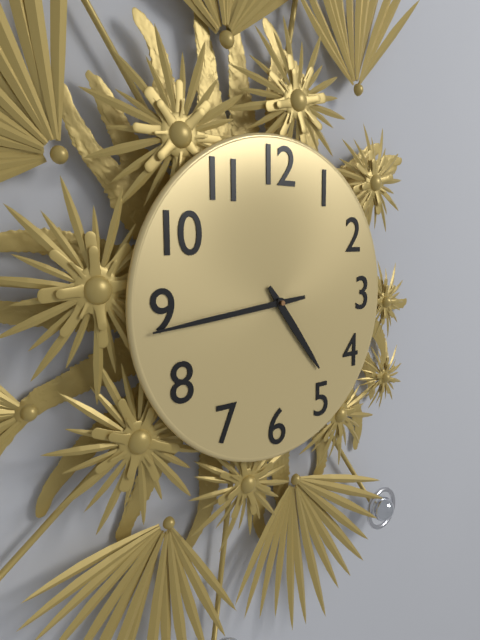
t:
4:44
